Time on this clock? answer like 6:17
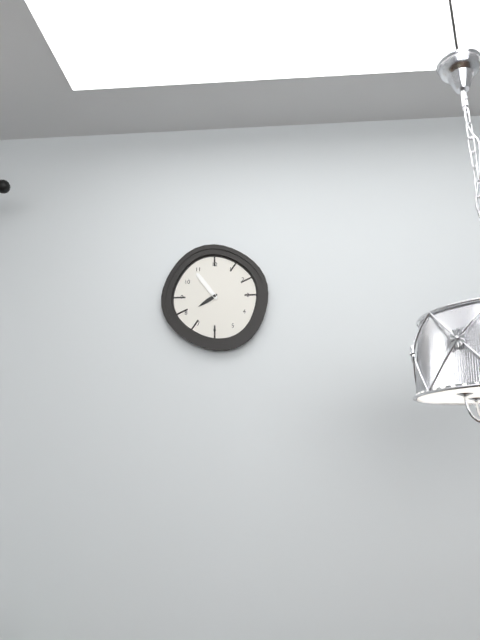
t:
7:54
